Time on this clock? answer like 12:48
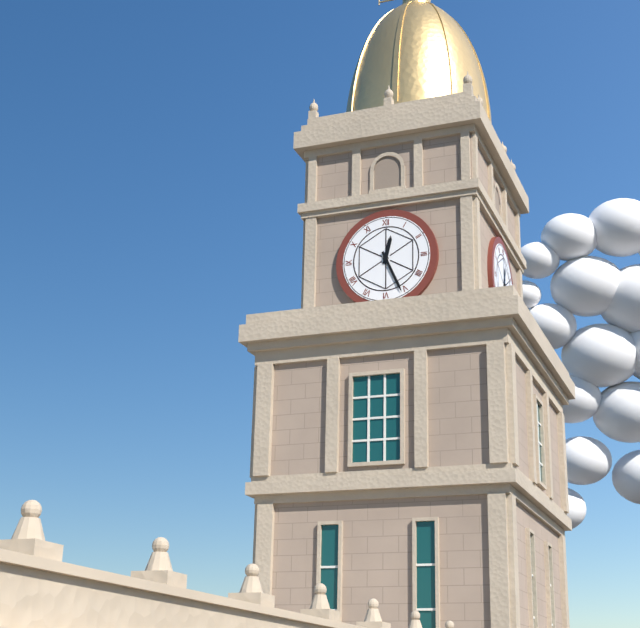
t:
12:26
